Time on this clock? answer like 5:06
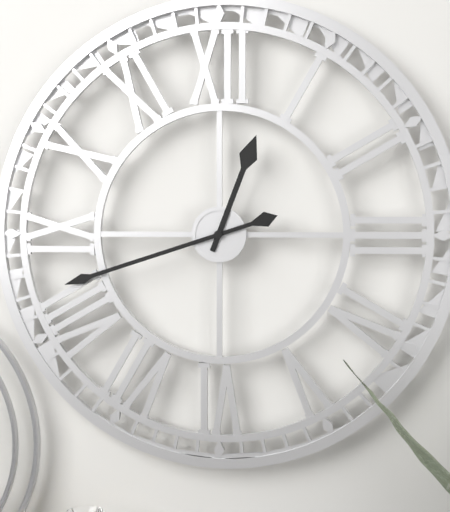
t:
12:42
